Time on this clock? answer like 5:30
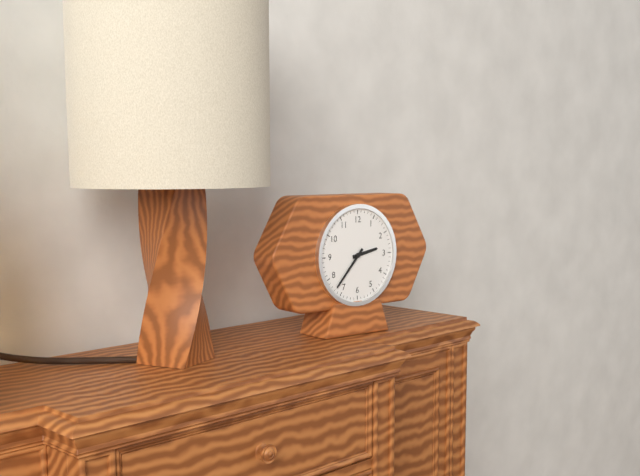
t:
2:37
